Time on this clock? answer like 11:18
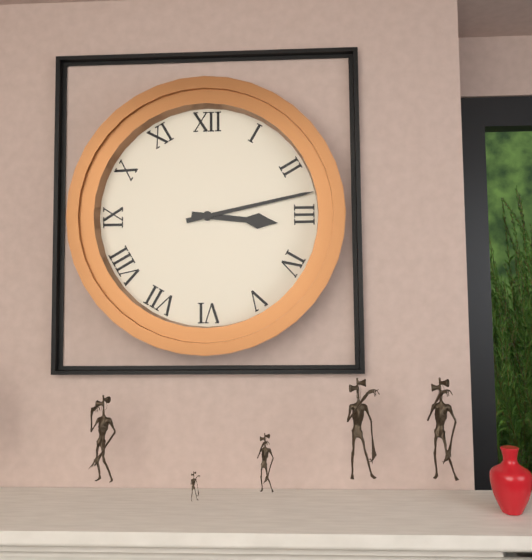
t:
3:13
